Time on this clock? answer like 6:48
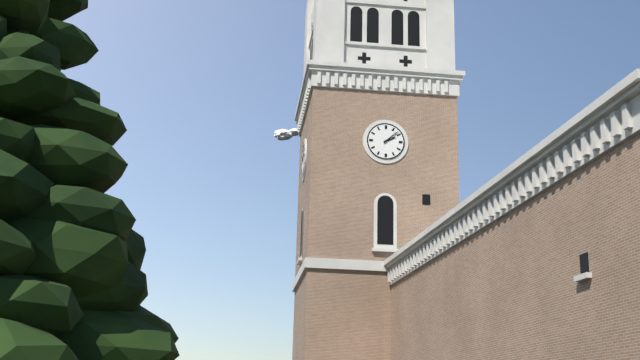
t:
2:08
